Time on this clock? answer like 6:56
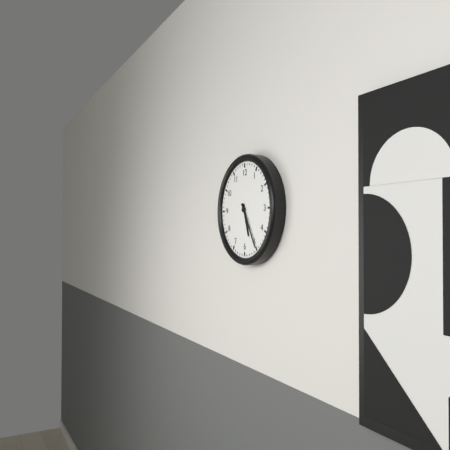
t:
5:25
